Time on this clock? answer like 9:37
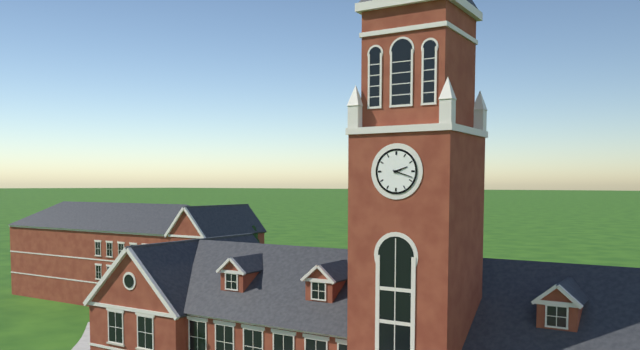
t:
2:18
